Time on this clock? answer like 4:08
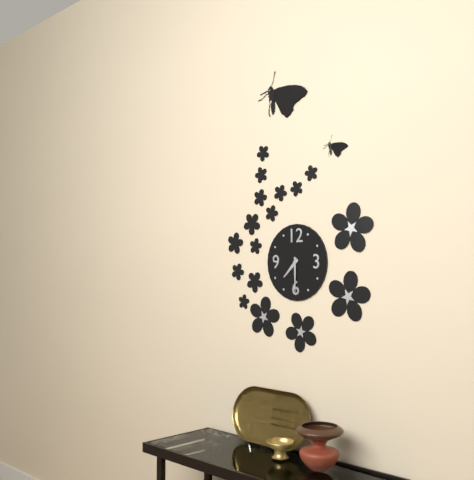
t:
7:30
